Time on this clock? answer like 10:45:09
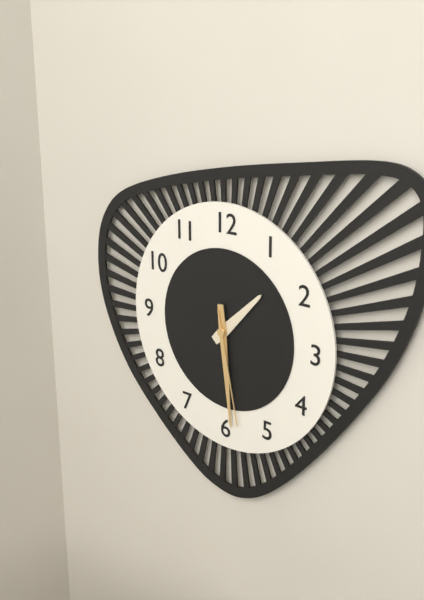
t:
1:29:28
